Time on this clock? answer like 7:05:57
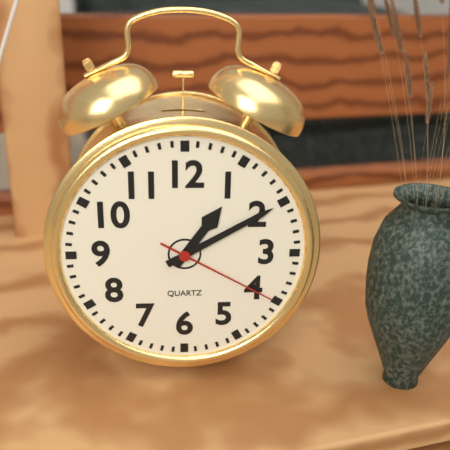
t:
1:10:20
